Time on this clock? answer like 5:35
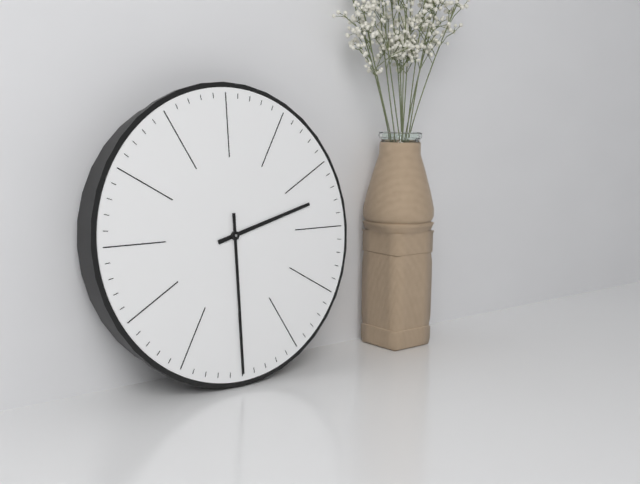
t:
2:30
